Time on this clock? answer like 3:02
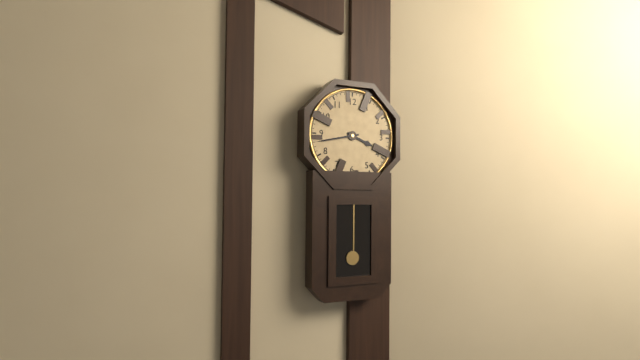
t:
3:43
